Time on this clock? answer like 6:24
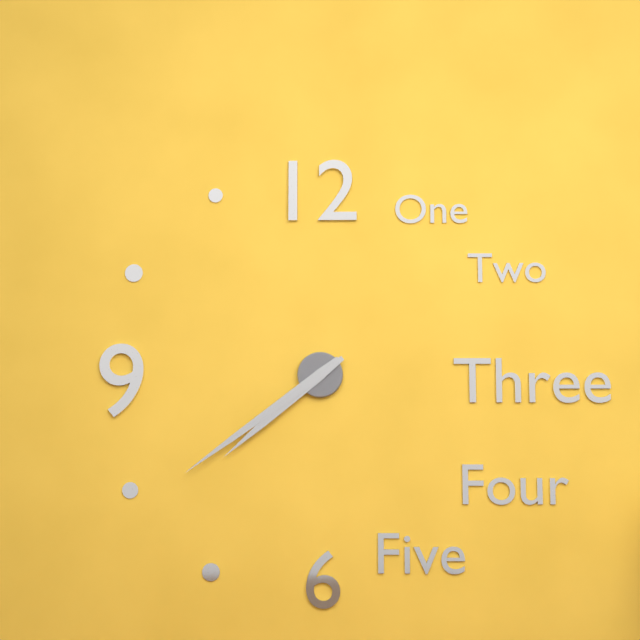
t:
7:39
